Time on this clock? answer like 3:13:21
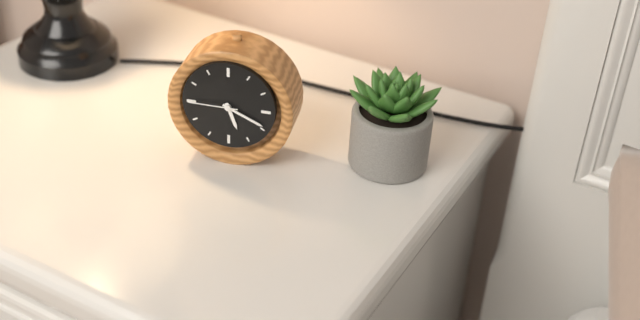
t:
5:19:45
